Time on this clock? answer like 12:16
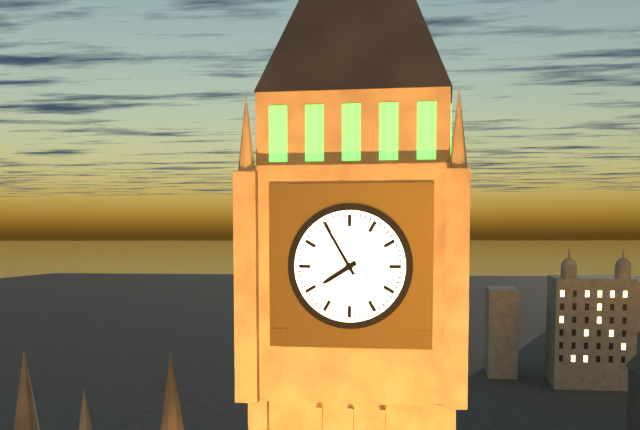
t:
7:55
